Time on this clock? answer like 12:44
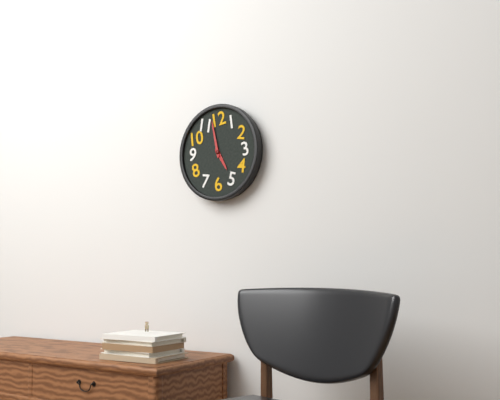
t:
4:58
